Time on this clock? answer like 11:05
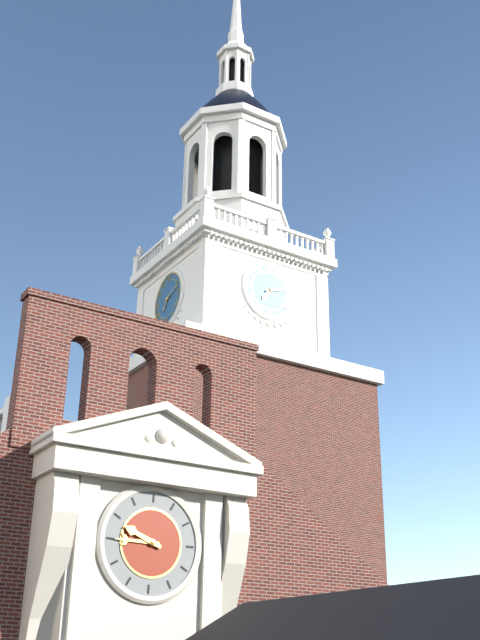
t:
7:12
